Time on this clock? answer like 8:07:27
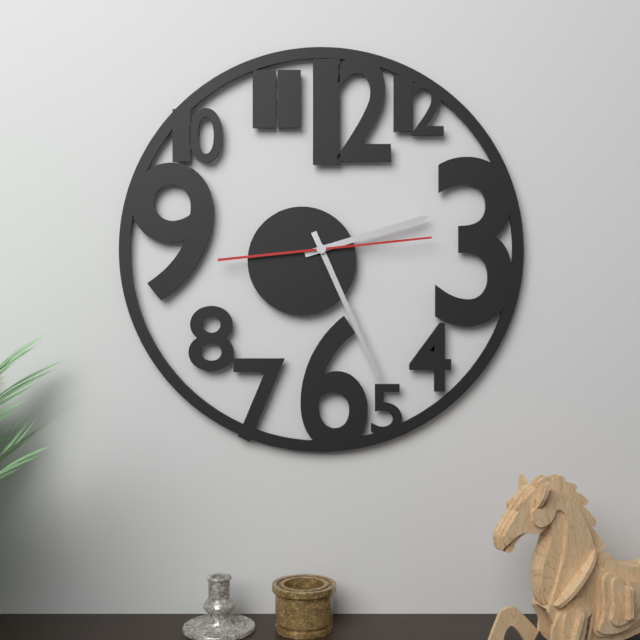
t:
2:26:14
